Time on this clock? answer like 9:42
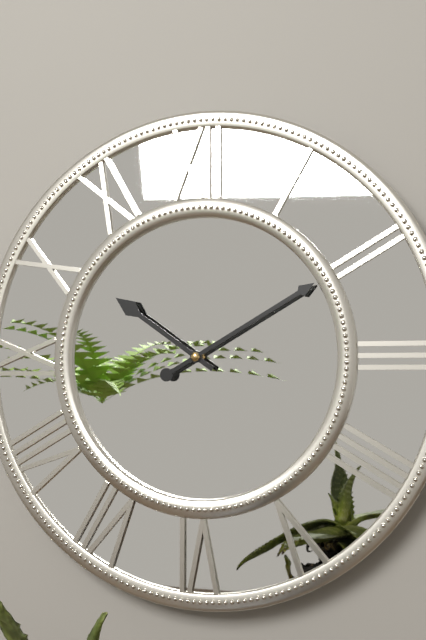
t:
10:10
